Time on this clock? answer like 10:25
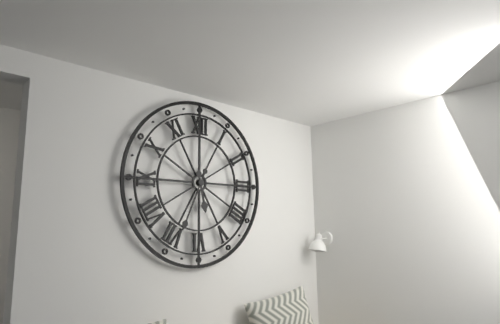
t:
5:34
